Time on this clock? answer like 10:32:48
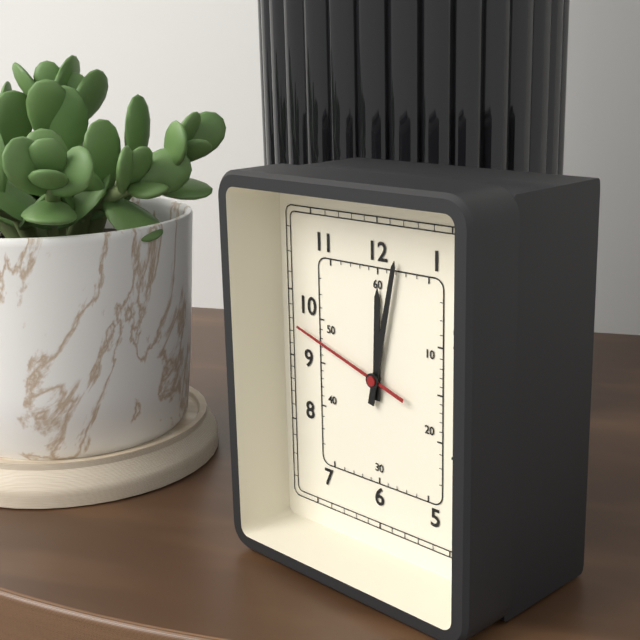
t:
12:02:48
